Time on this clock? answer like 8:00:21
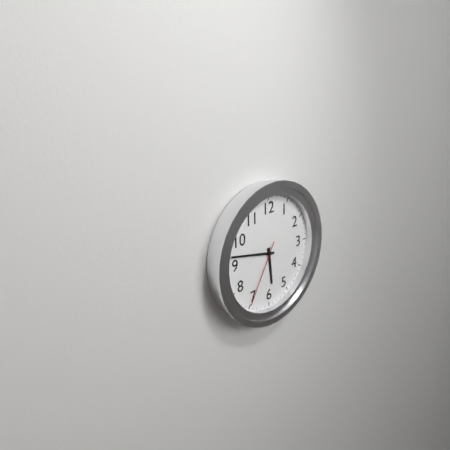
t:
5:47:35
